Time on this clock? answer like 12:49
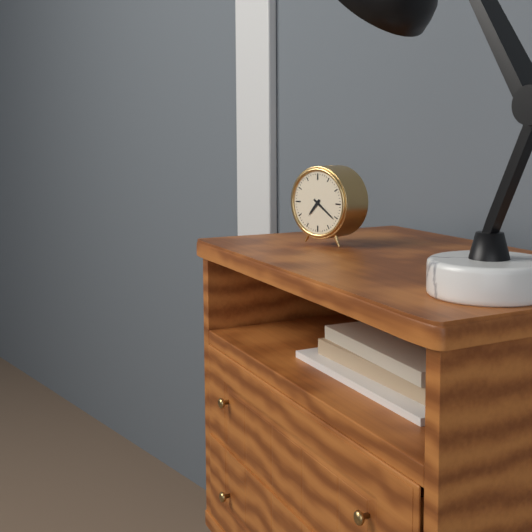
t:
7:21
